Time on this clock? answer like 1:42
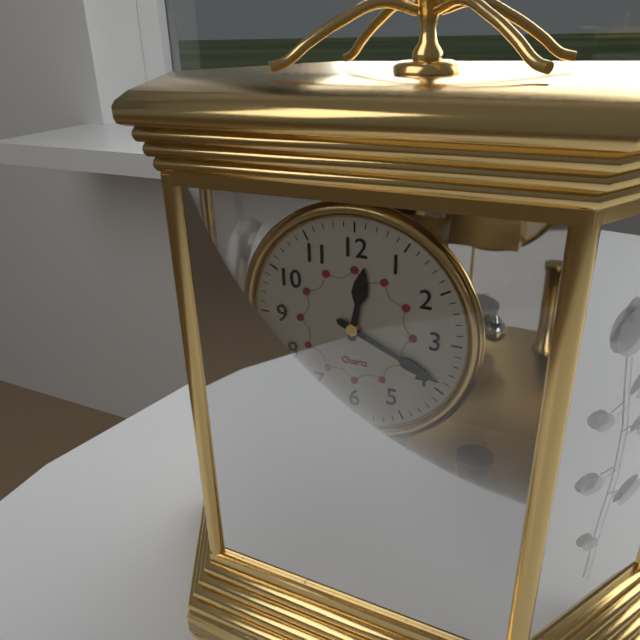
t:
12:19
